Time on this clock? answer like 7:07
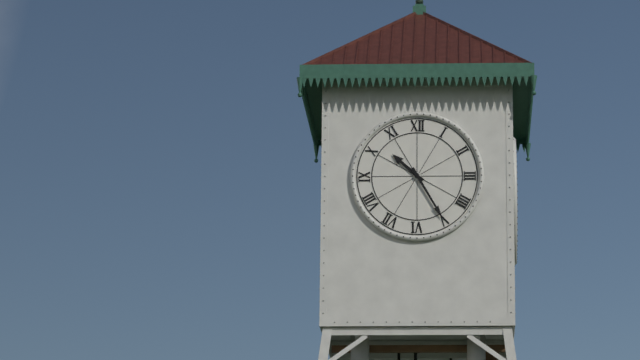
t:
10:25
